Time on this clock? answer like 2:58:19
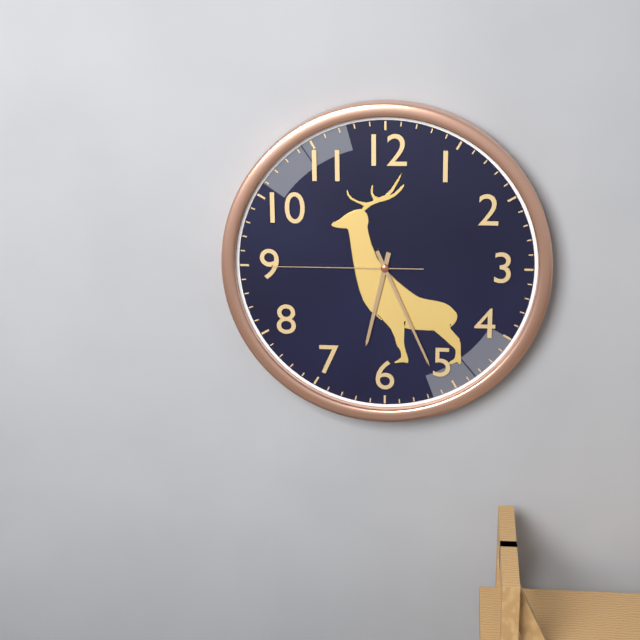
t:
6:26:45
